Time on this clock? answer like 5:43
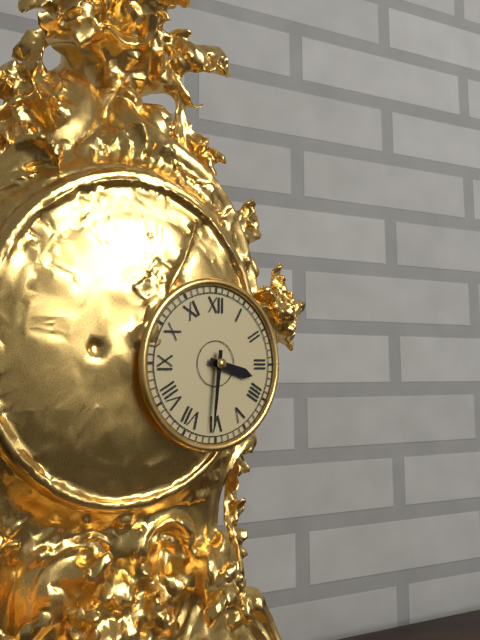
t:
3:31
